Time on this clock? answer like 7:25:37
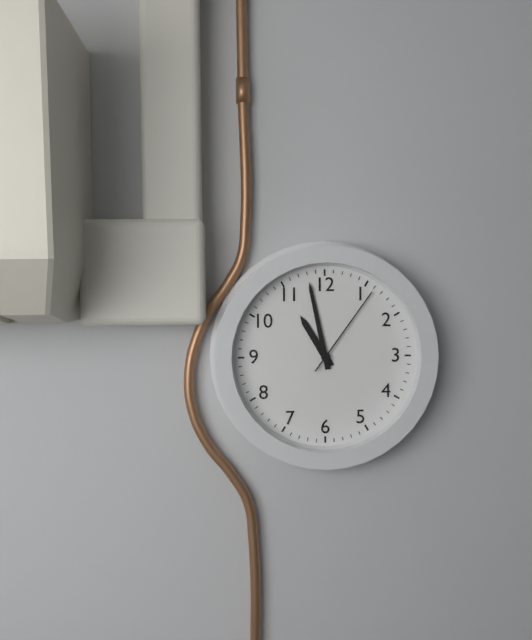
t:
10:58:06
